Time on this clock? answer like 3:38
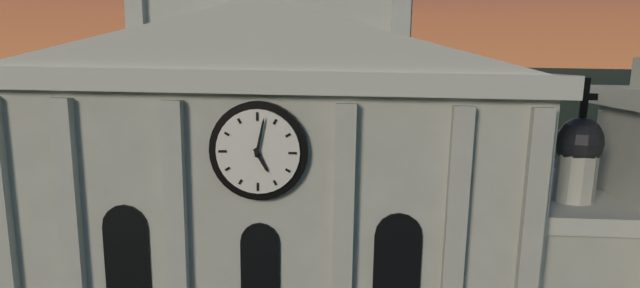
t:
5:02
